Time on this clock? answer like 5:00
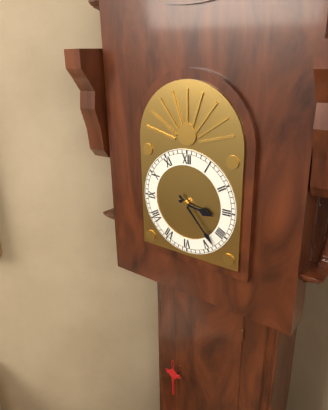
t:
3:23
